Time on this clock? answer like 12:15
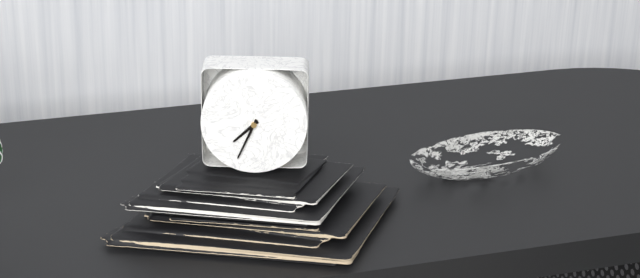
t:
7:34
